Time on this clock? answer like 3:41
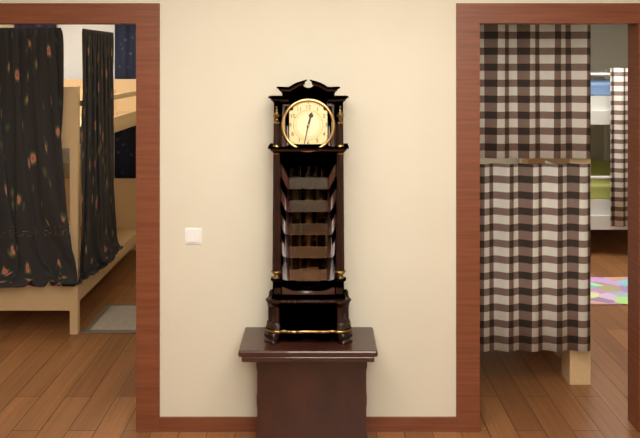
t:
12:32
